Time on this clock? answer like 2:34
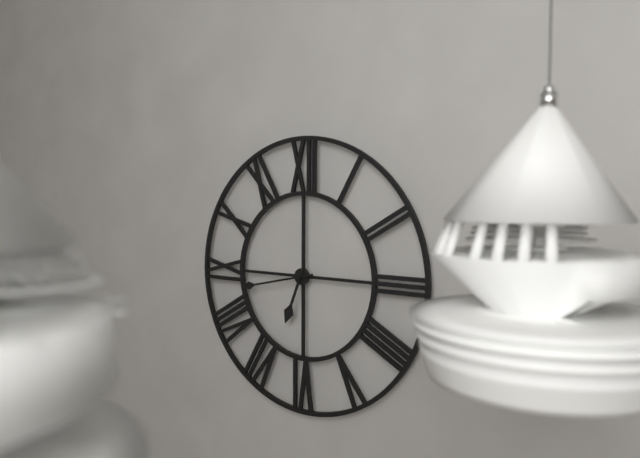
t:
6:43
